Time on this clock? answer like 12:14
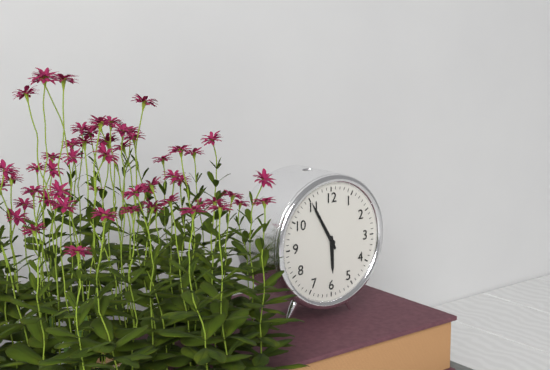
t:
5:55
